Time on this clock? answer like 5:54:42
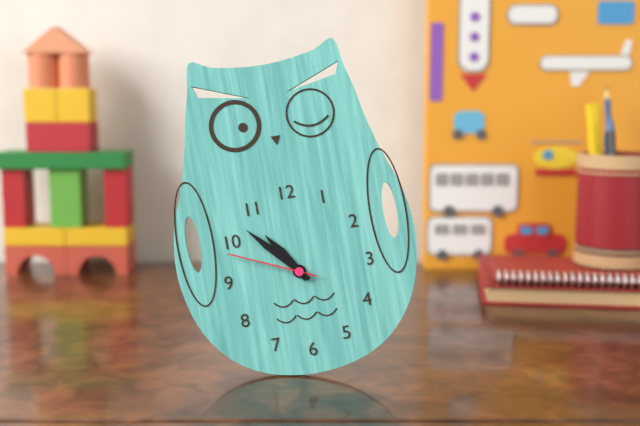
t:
10:53:49
